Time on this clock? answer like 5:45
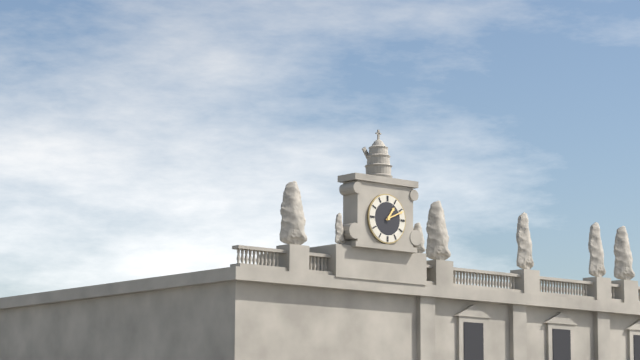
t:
1:11
